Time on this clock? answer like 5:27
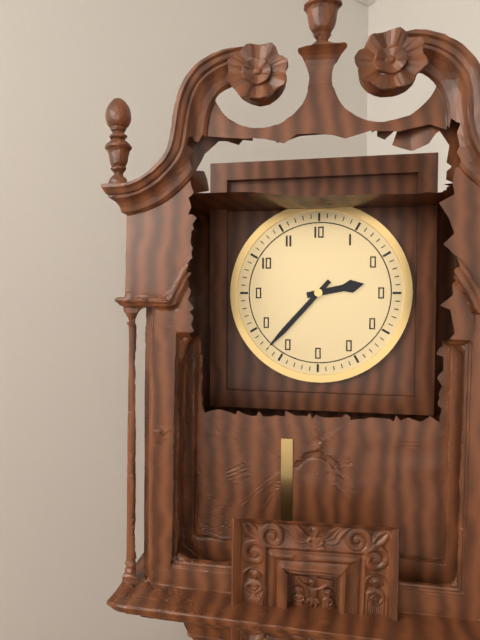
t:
2:37
